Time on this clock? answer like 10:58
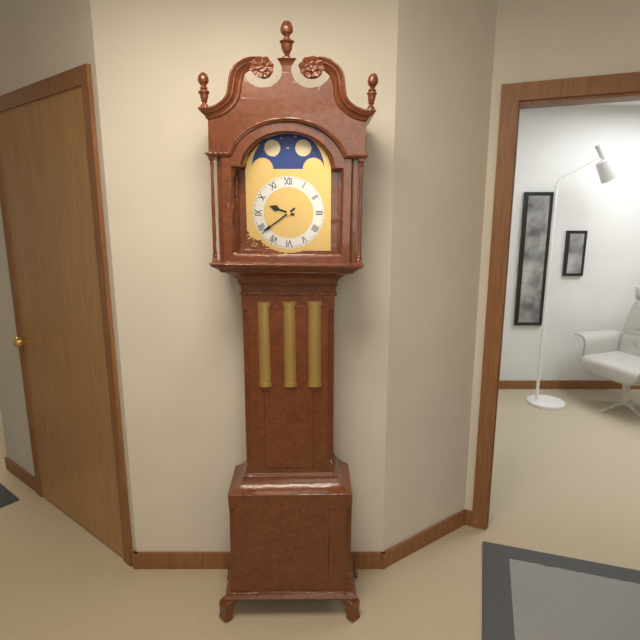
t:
9:39
